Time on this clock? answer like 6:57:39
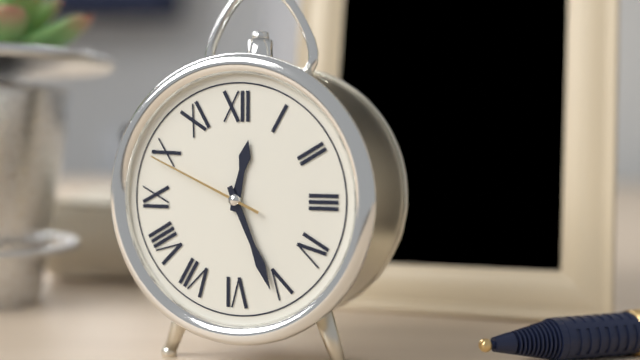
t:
12:26:49
